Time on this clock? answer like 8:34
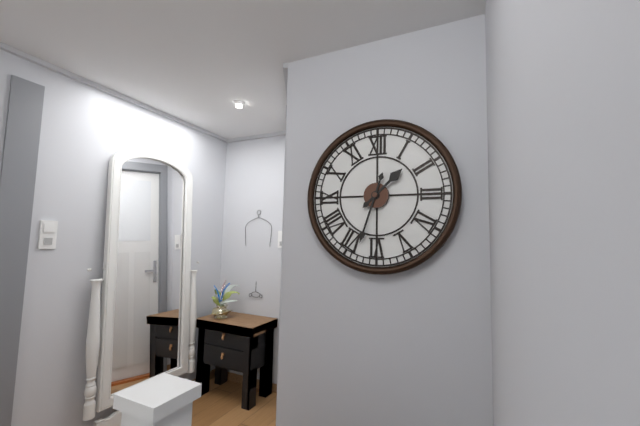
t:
1:33
